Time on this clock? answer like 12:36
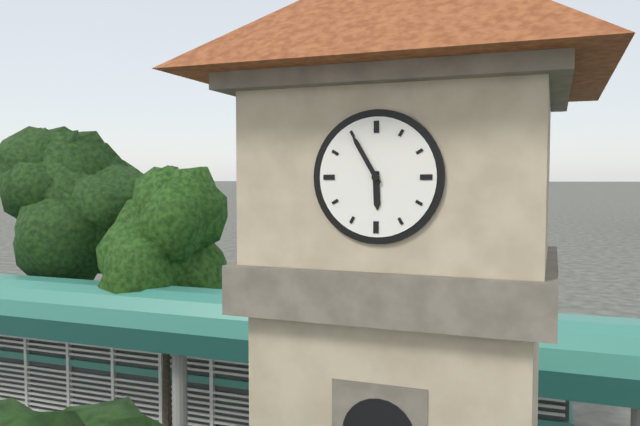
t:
5:55
